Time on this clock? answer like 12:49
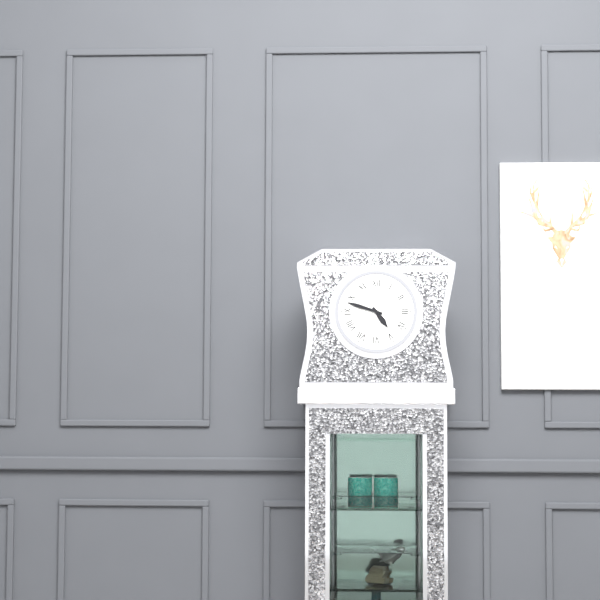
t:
4:48
